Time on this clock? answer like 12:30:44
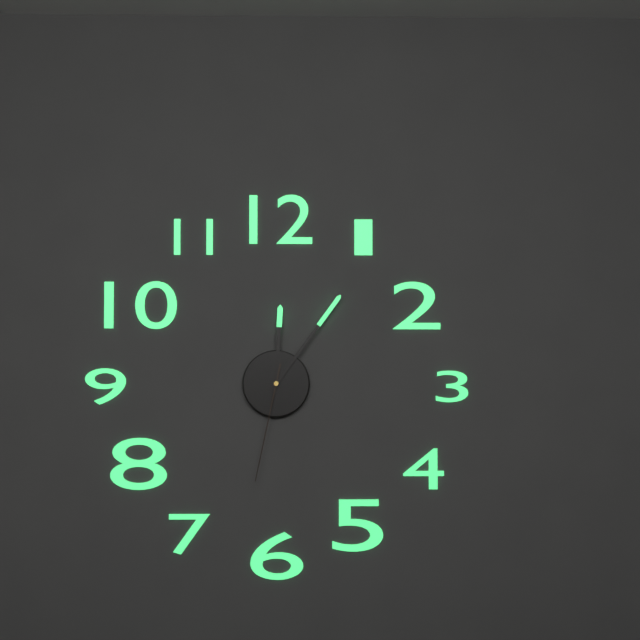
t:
12:06:32
